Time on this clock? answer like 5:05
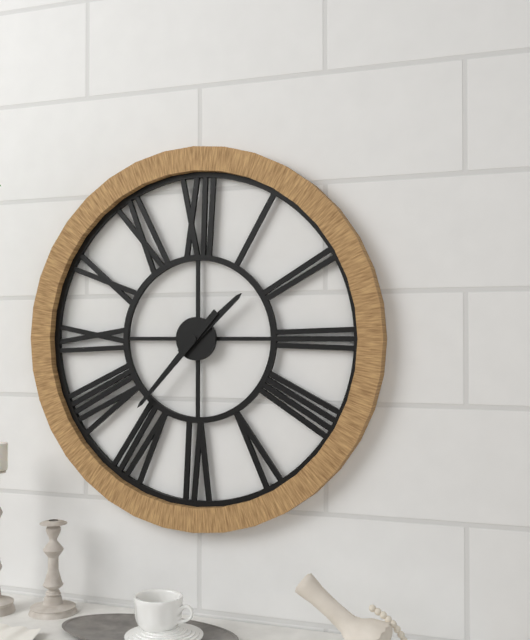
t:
1:37
